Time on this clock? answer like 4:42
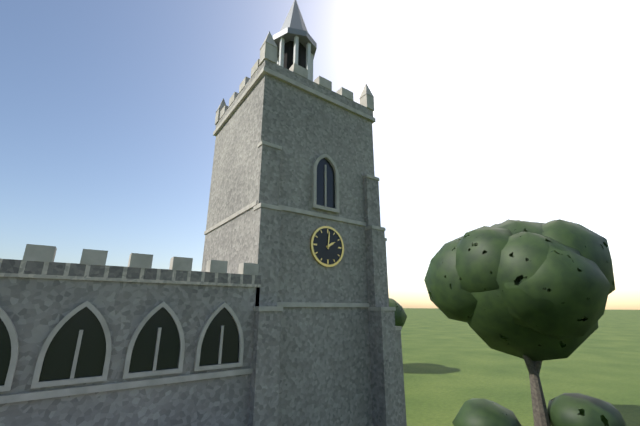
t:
2:01
